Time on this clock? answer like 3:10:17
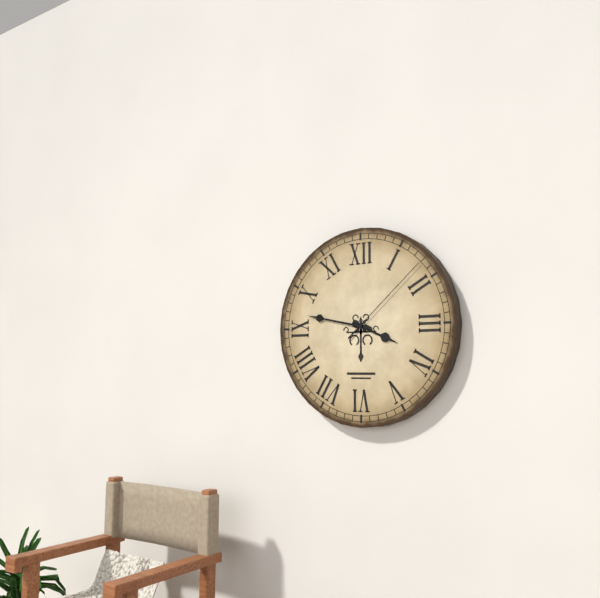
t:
3:47:08
